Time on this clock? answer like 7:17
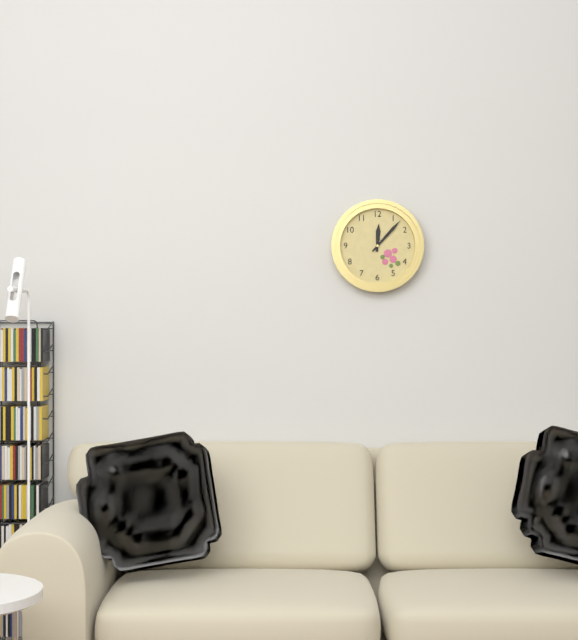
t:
12:07
